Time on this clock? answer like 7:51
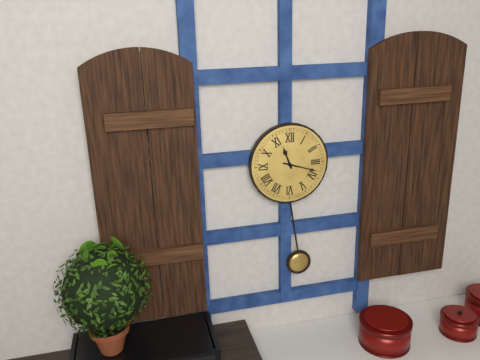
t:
11:18
